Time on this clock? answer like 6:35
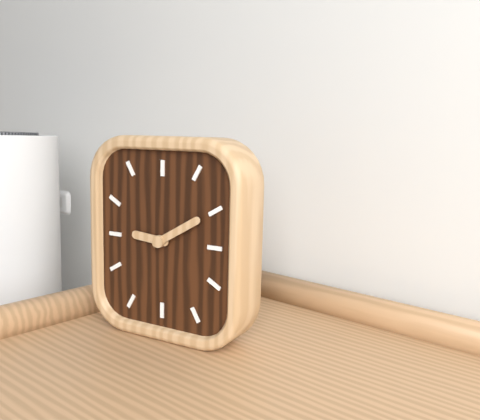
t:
9:10
